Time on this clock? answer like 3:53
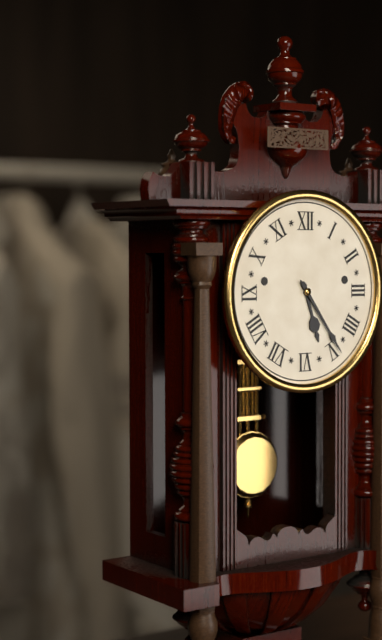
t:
5:24
